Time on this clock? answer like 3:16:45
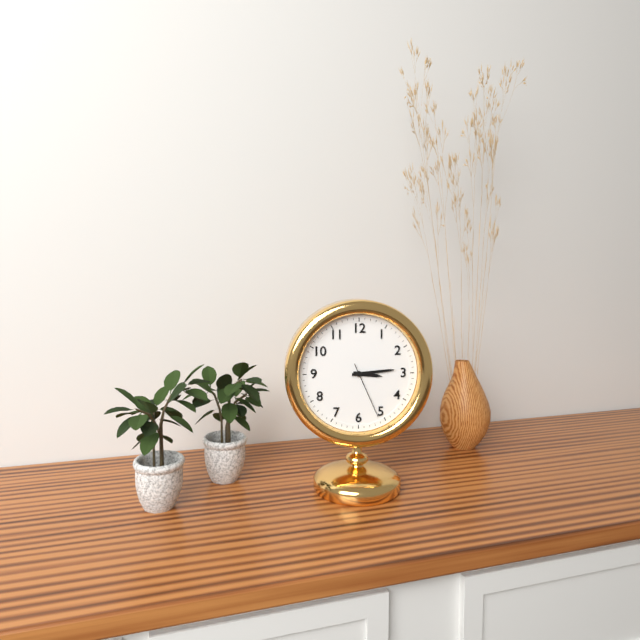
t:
3:14:26
